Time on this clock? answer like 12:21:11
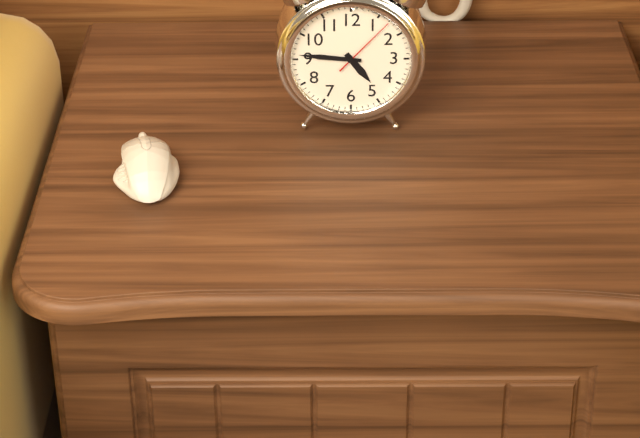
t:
4:46:07
